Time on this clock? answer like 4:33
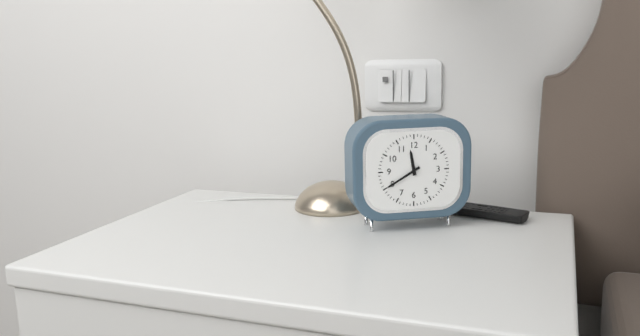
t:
11:40
